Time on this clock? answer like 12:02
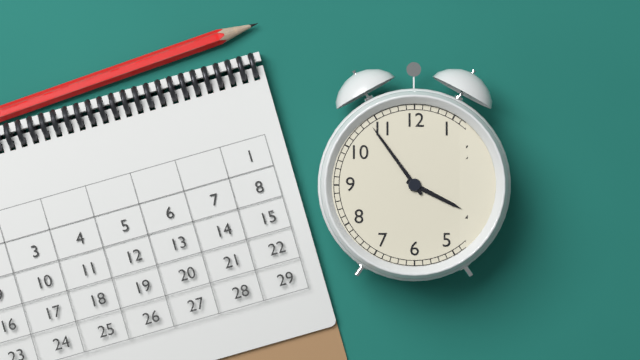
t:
3:54
